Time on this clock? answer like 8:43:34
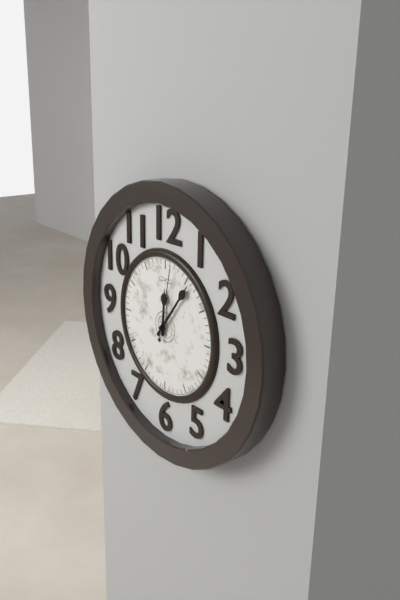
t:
12:06:02
